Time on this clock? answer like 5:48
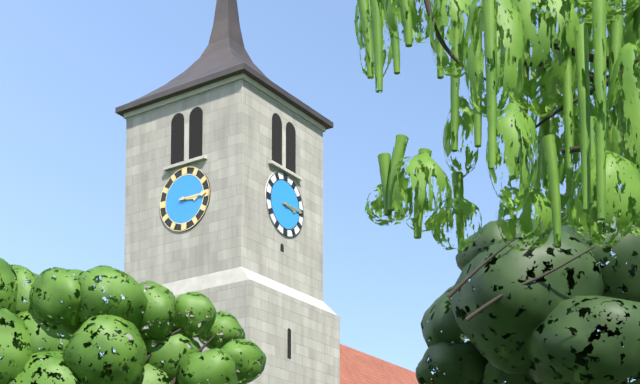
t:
3:15
